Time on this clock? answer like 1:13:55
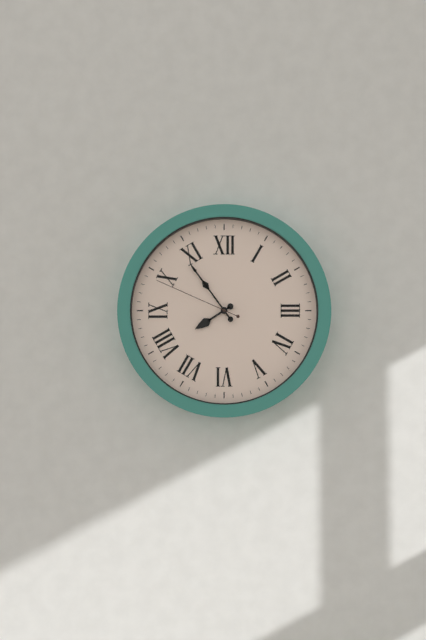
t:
7:54:49
